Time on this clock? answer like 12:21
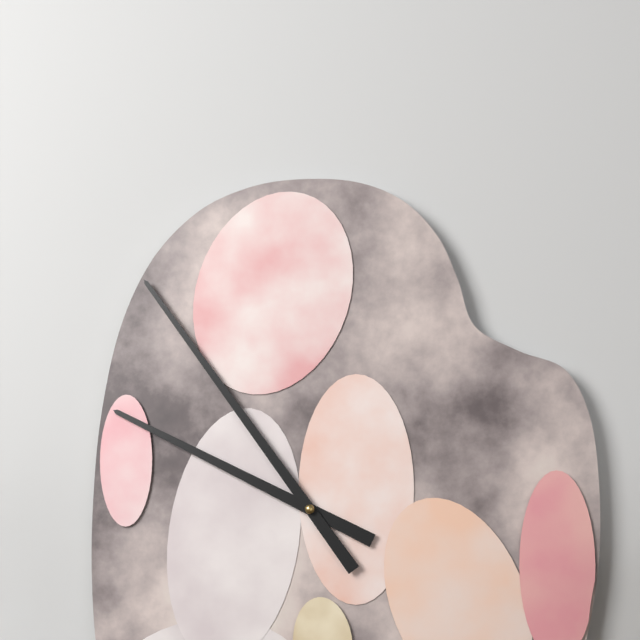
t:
9:54
